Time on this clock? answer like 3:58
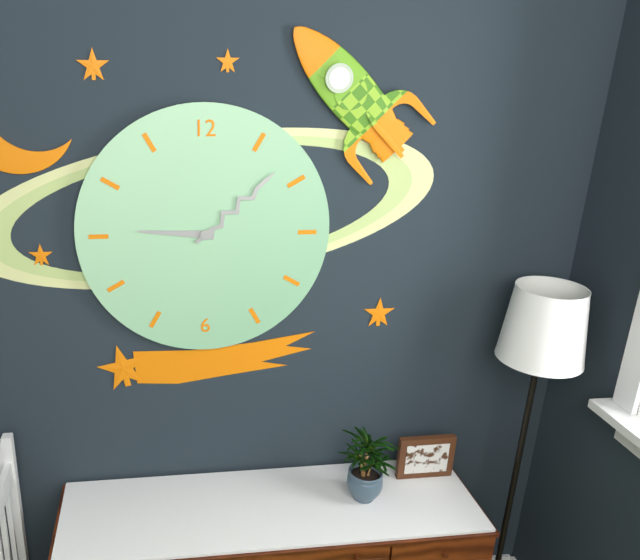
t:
9:08
